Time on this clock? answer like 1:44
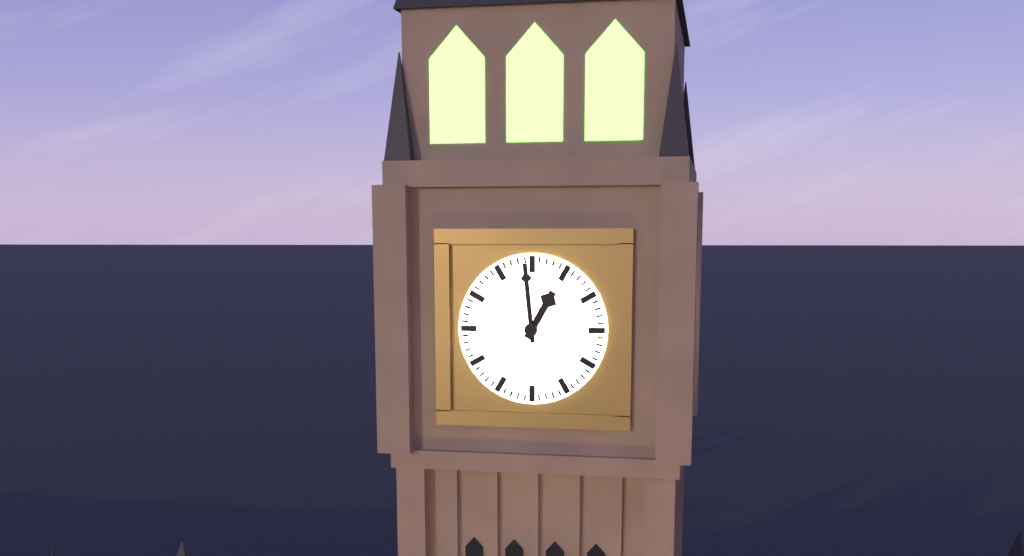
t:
12:59
